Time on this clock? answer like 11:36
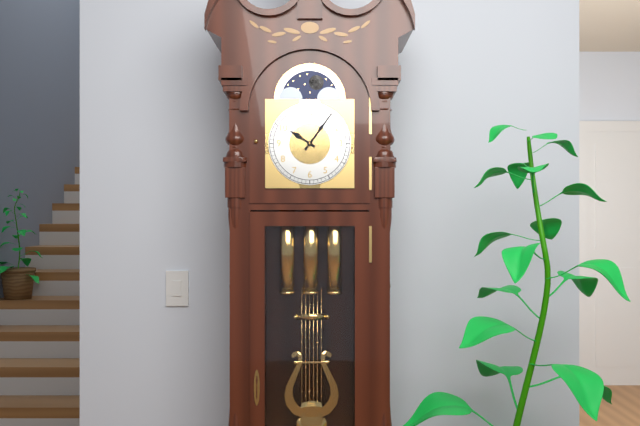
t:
10:06
